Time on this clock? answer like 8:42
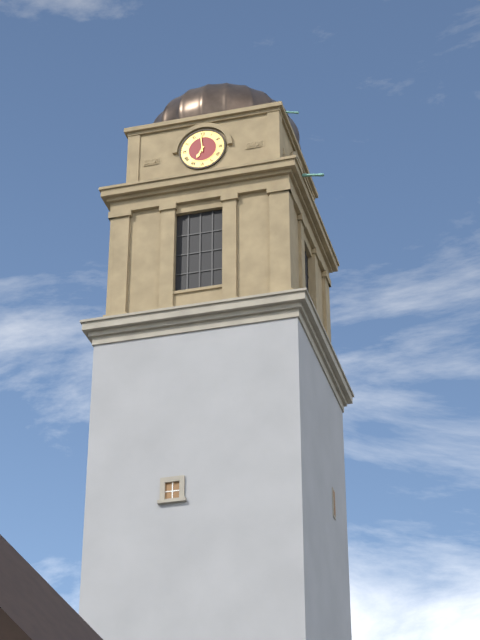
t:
6:59
